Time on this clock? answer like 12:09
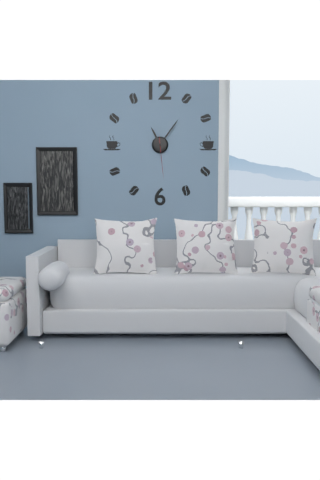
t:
11:06
